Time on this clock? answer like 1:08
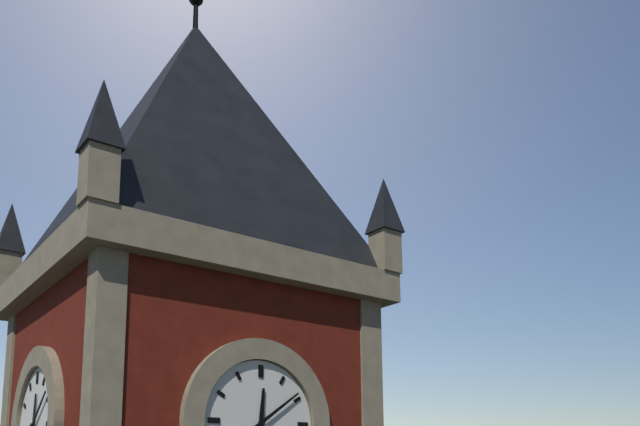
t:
12:09
